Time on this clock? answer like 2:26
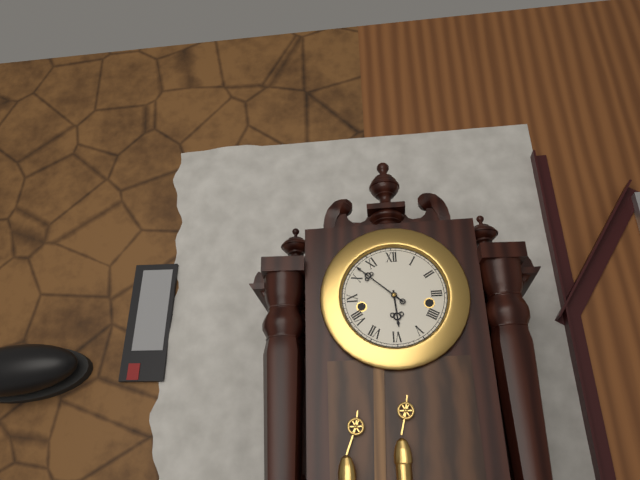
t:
5:52
